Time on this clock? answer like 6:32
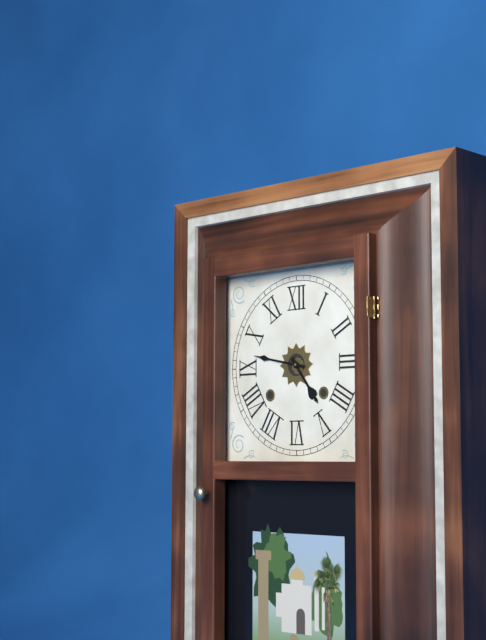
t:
4:47
